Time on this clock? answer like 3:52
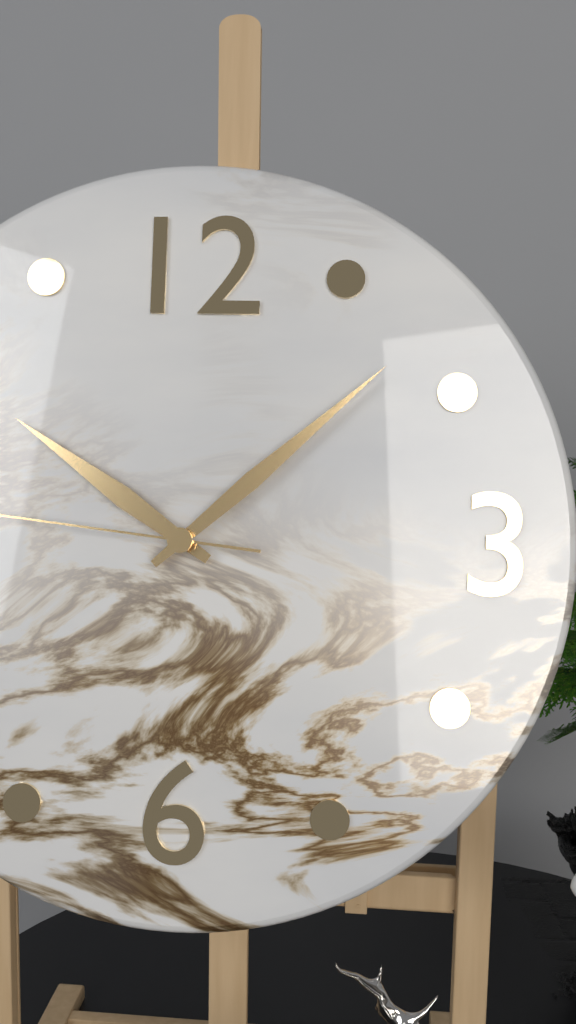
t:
10:08
